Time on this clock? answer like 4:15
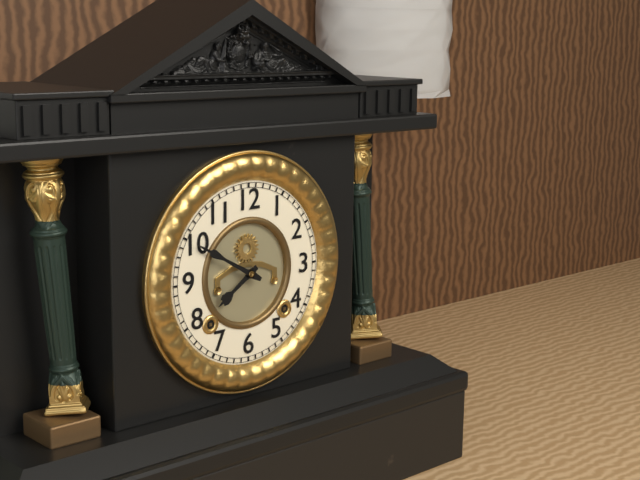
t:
7:50
